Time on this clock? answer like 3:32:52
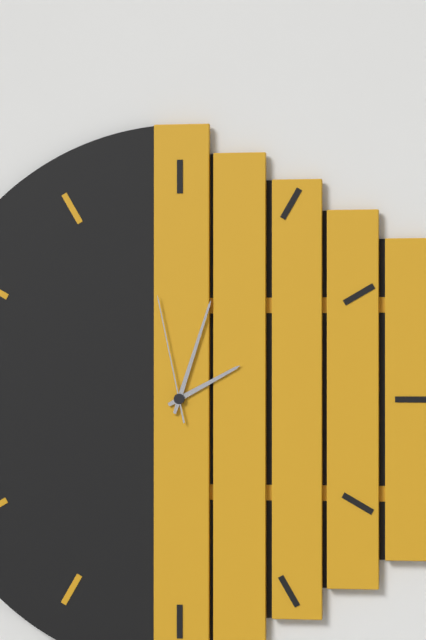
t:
2:03:58
